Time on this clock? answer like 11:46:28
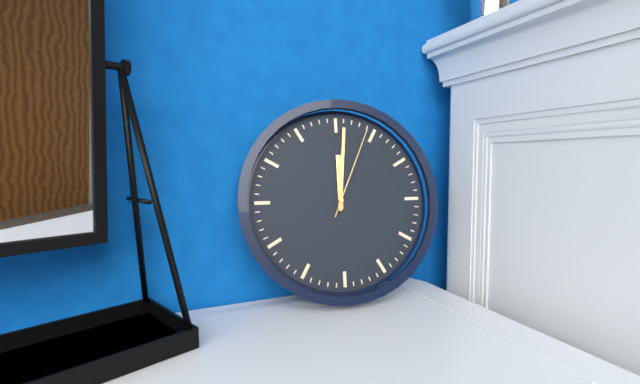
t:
12:01:04
